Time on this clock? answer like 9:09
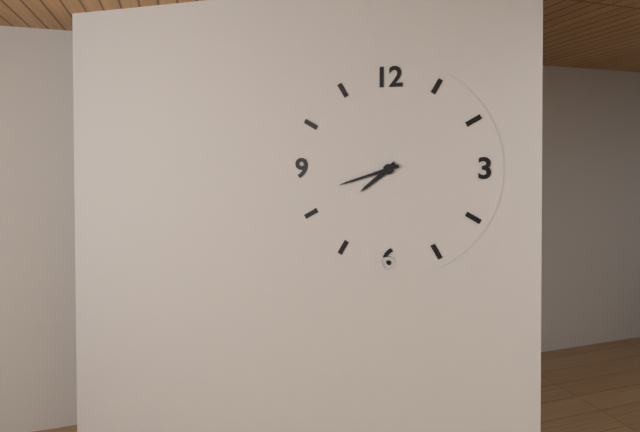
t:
7:42
